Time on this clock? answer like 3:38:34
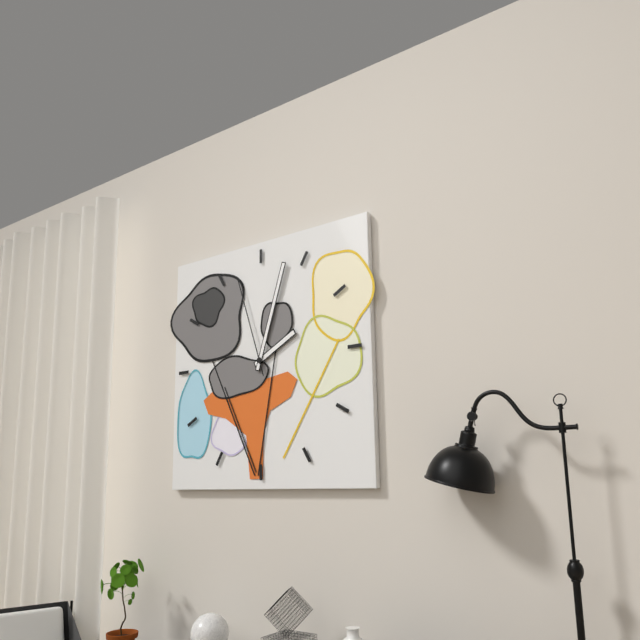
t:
2:03:57
